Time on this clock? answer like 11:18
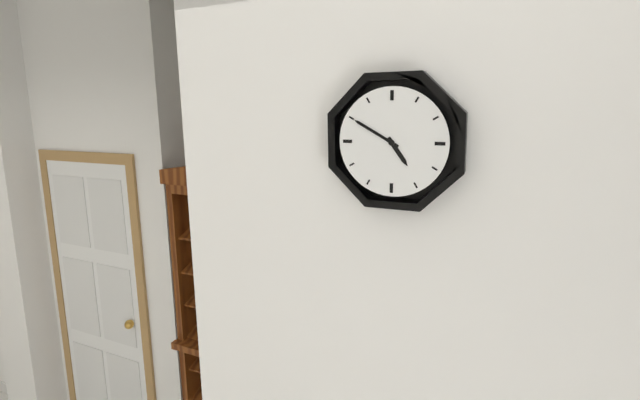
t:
4:50
